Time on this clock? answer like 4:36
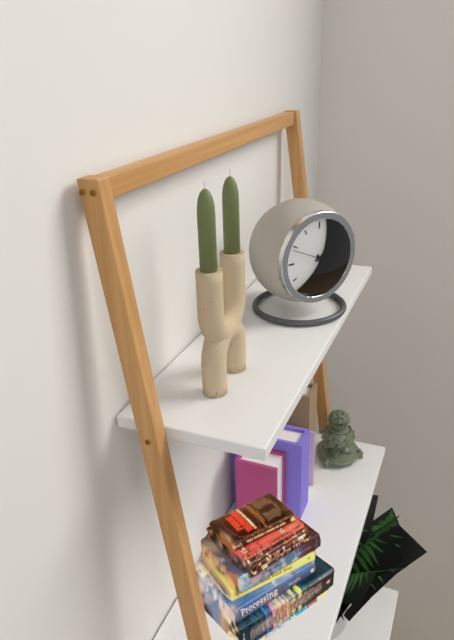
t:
5:10
